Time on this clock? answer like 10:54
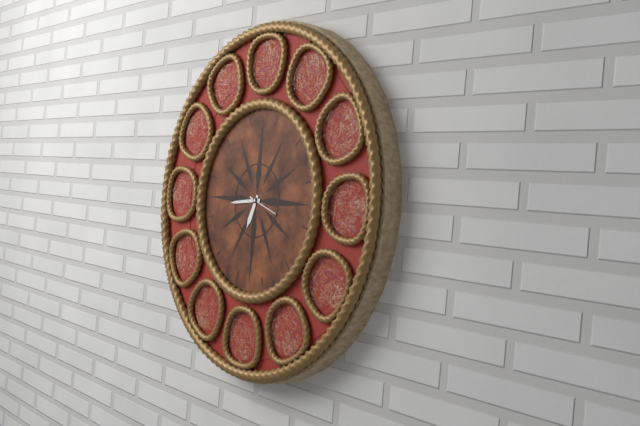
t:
6:44
